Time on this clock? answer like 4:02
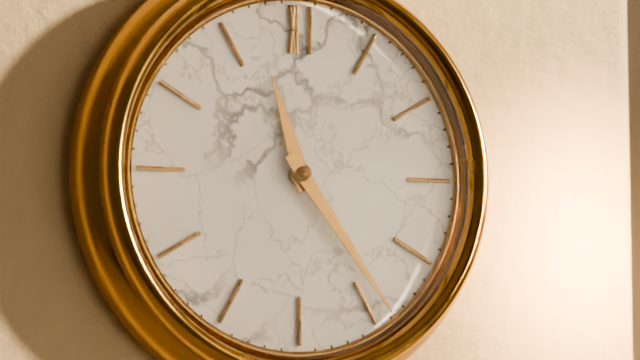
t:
11:24
